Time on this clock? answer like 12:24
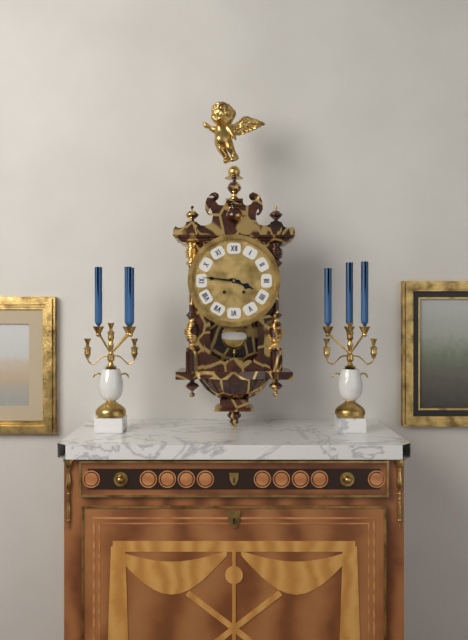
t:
3:46
